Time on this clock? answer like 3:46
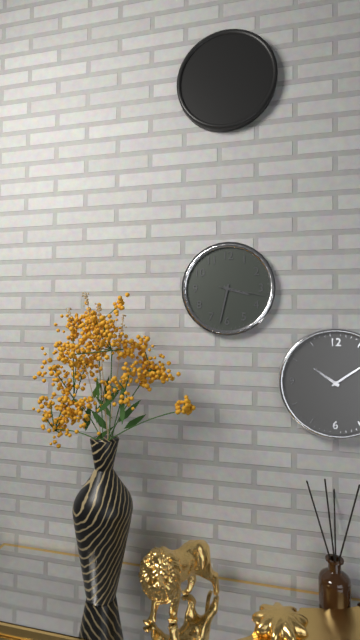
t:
3:32
